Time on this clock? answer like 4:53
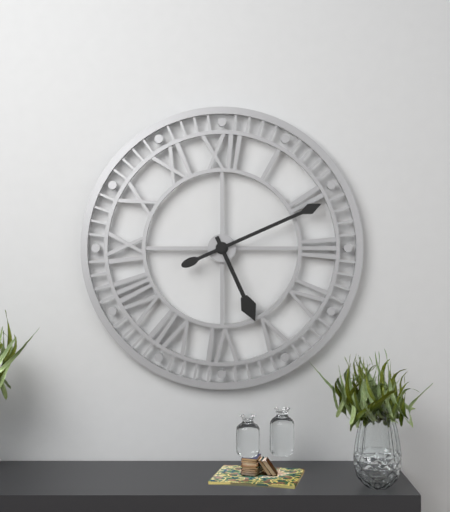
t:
5:11
